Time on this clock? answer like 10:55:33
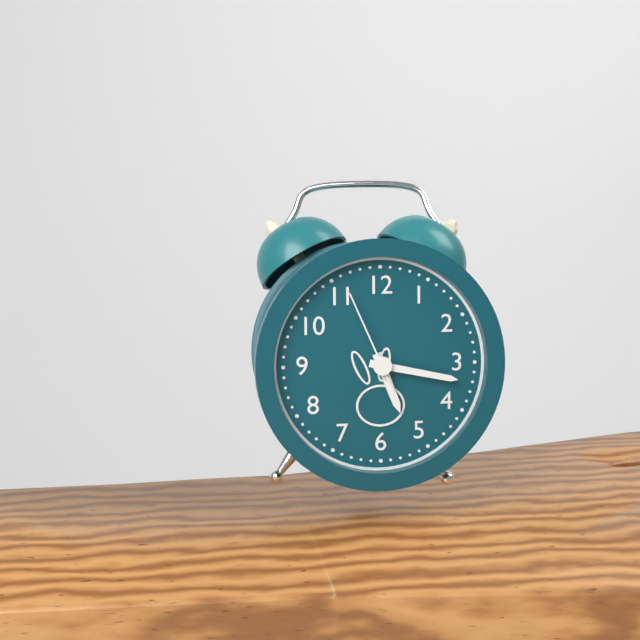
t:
5:17:56
